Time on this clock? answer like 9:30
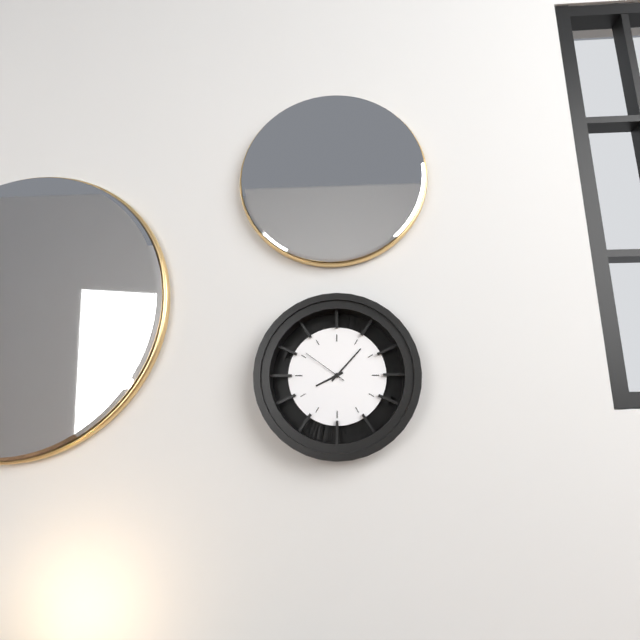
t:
8:07
